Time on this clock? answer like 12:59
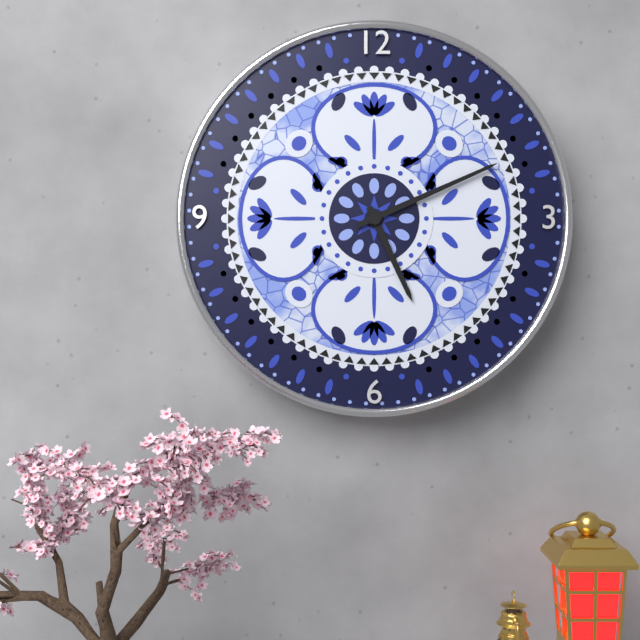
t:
5:11
